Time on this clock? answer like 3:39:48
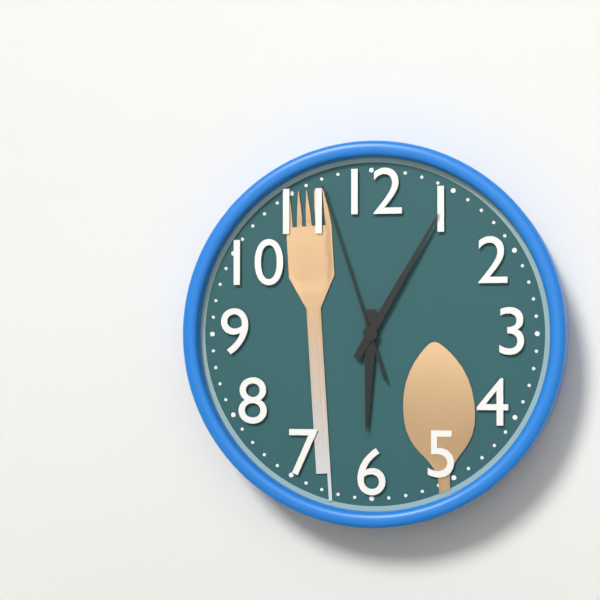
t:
6:05:57
